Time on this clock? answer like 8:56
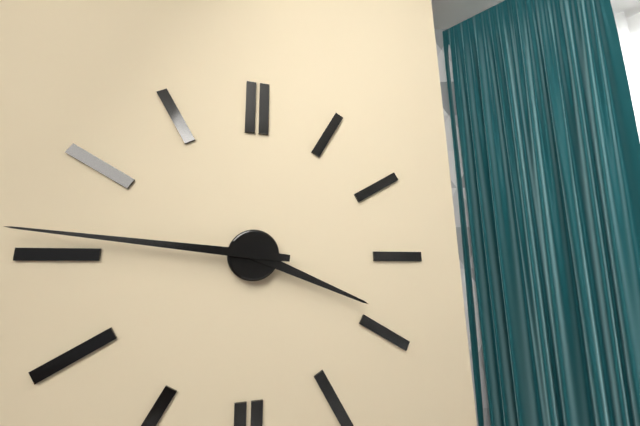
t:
3:46
